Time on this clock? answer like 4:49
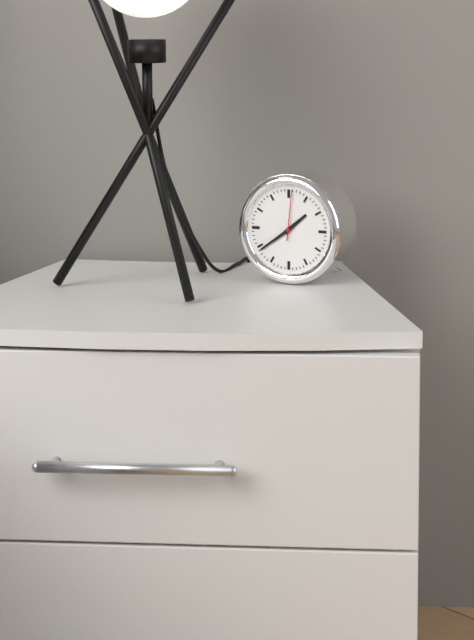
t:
1:39
